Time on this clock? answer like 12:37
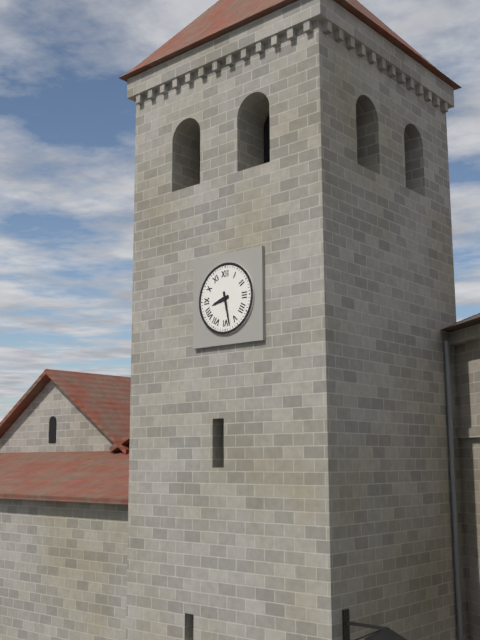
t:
8:28
